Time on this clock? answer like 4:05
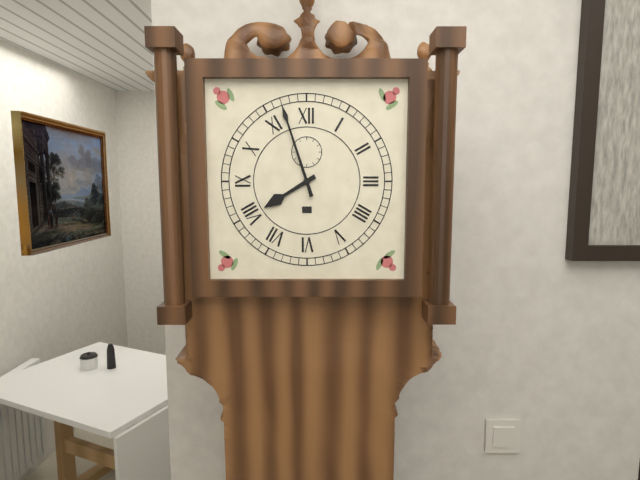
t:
7:57
